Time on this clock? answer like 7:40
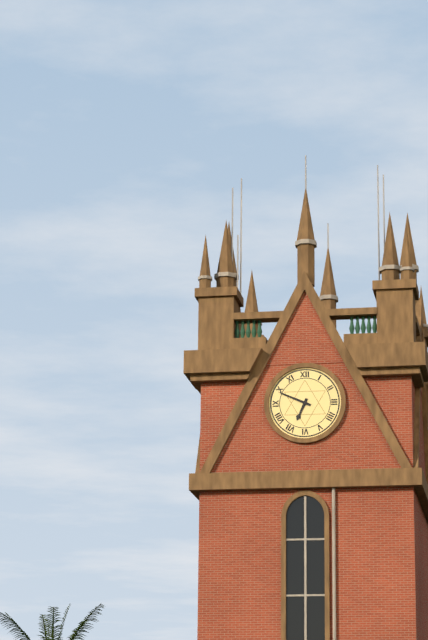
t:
6:49
